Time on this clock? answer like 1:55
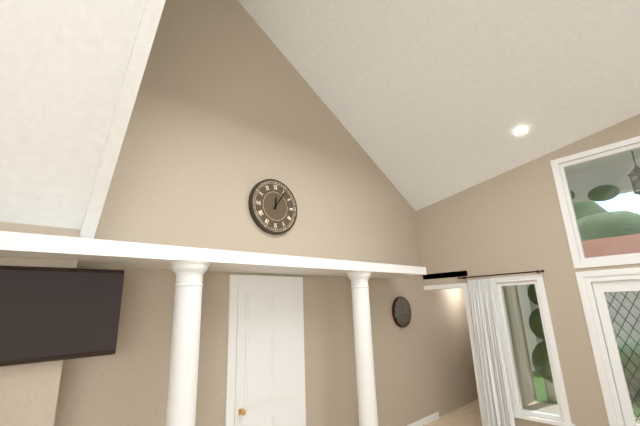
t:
12:06
